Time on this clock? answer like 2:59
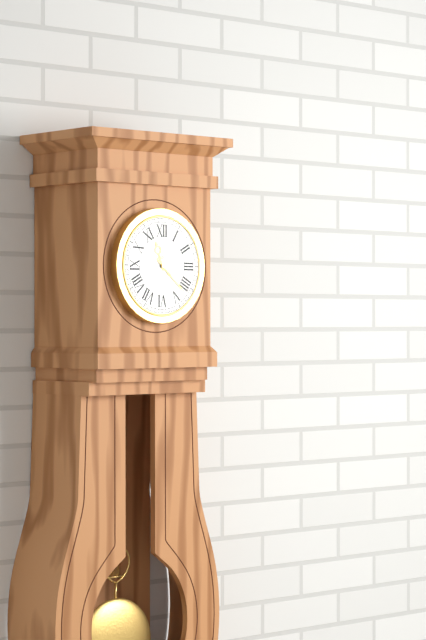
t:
11:22
